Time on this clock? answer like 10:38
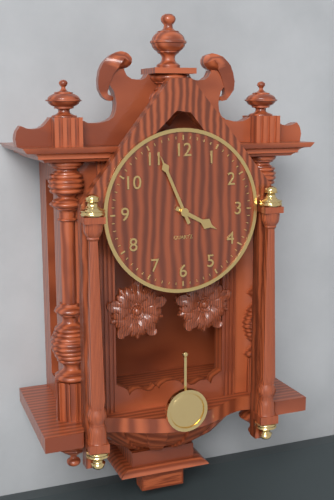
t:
3:56
